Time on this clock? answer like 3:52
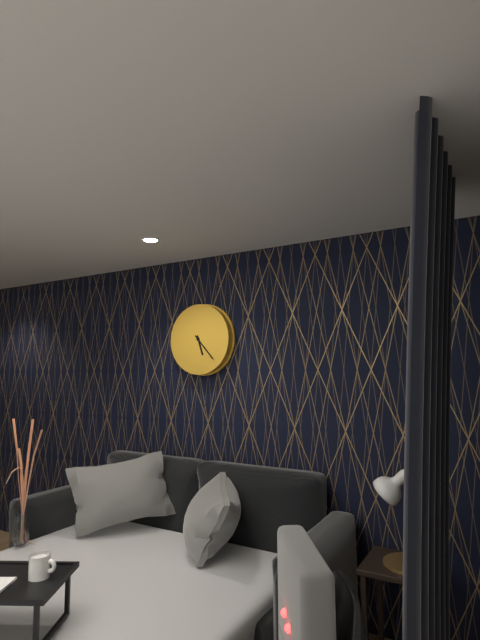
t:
5:23
